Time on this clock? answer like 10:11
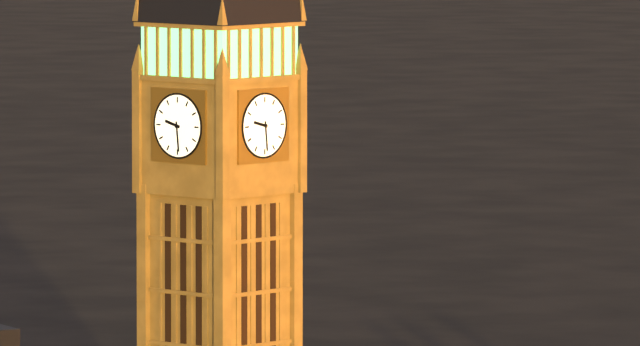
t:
9:29
